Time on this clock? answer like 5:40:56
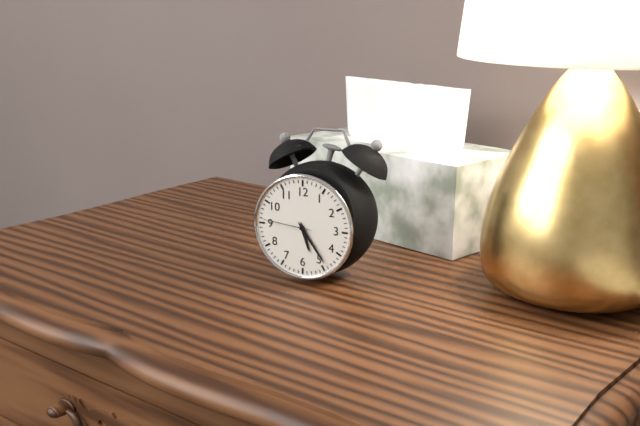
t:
5:24:46
